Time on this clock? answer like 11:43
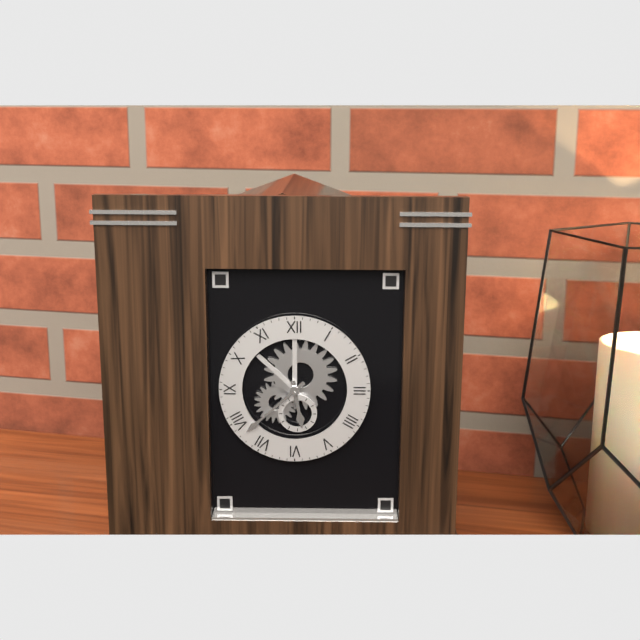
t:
5:38
